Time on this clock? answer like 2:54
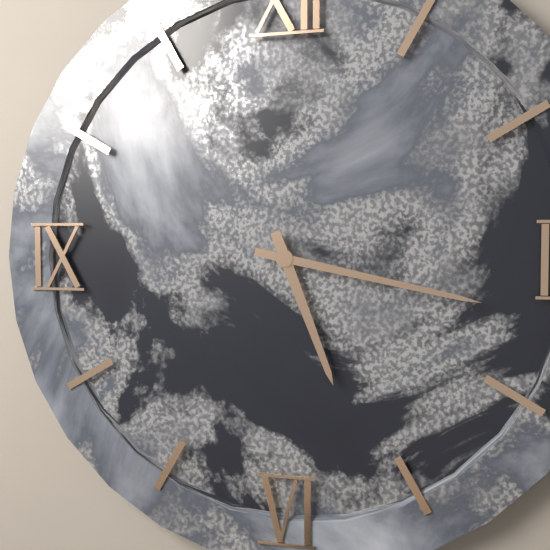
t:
5:17
